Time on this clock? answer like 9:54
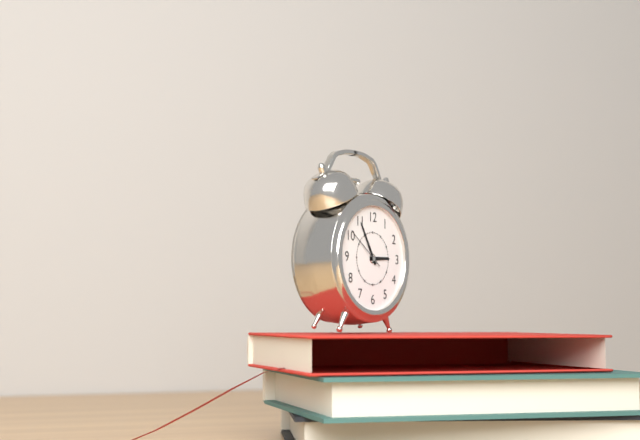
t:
2:55
